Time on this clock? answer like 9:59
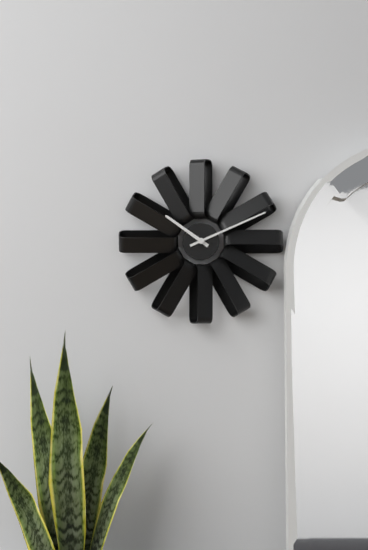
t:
10:11
